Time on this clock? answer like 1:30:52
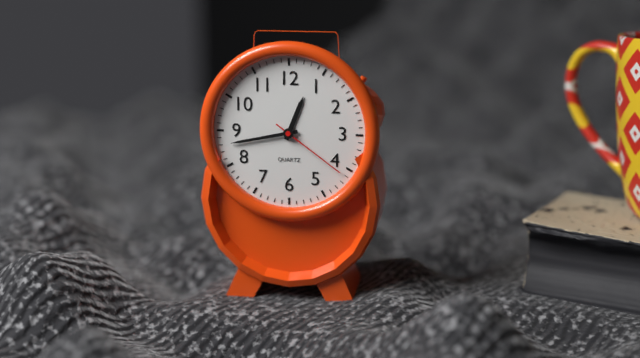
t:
12:43:21
